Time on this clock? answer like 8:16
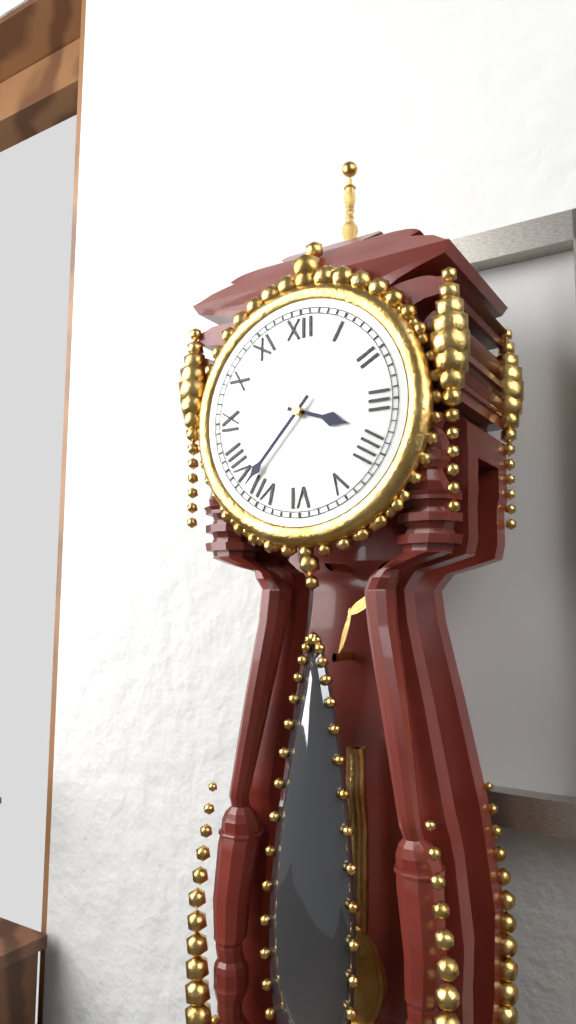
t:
3:37
